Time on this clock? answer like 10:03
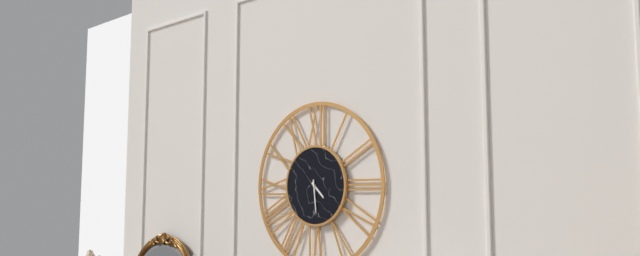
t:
4:29
